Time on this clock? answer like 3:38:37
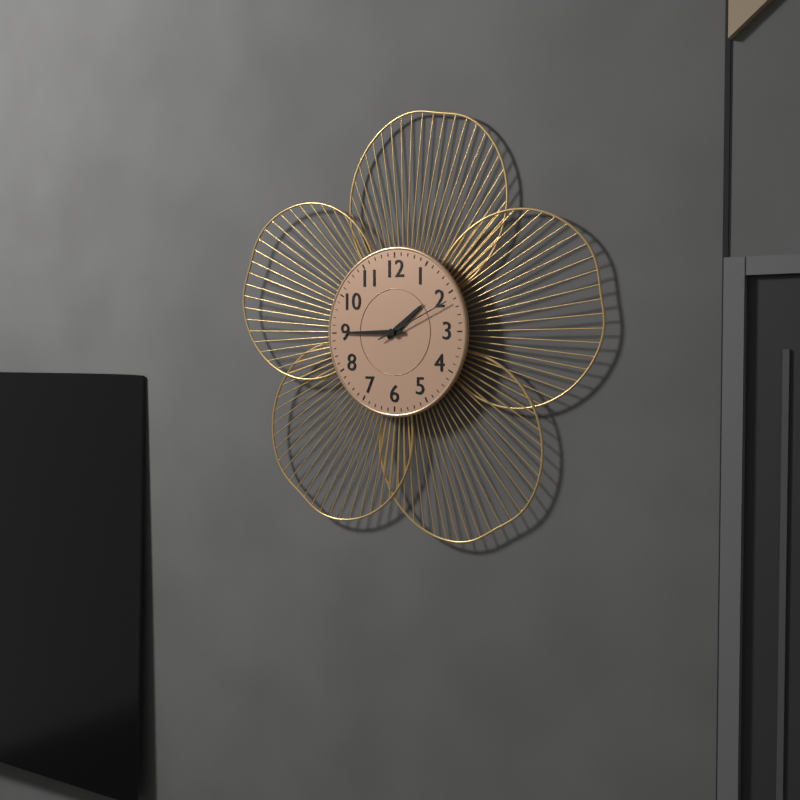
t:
1:45:11
